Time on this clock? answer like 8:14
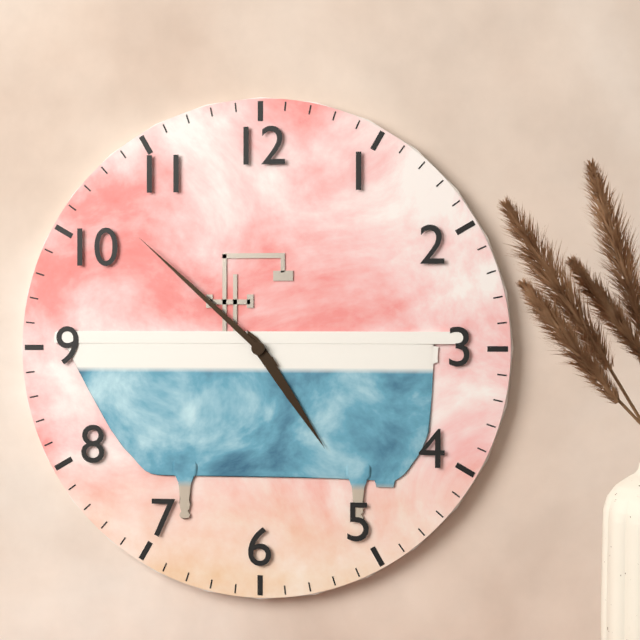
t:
4:52
